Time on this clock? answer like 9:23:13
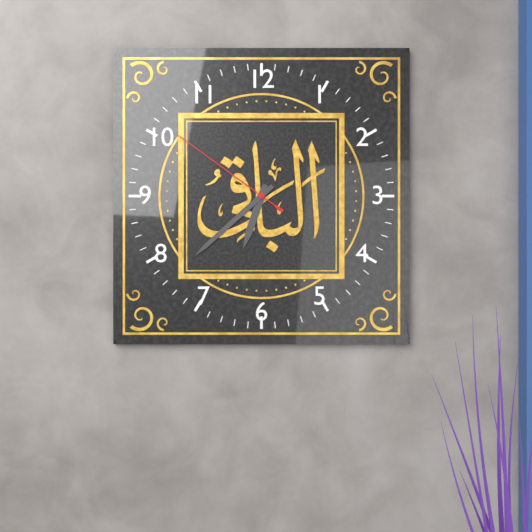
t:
6:38:51
